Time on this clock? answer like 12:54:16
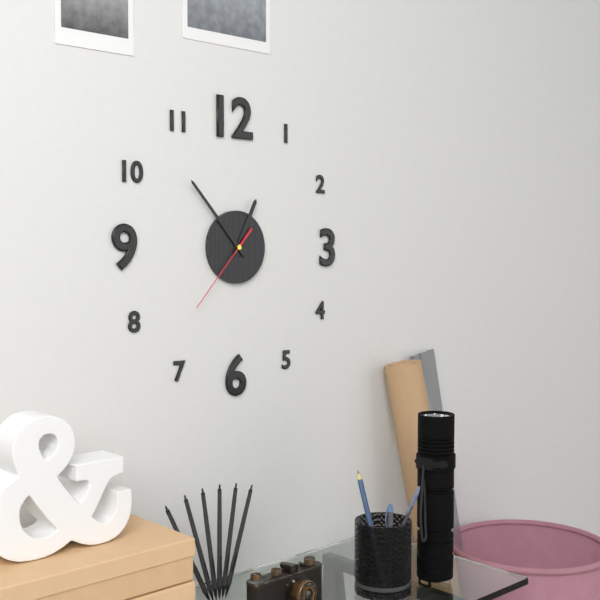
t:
12:53:37
